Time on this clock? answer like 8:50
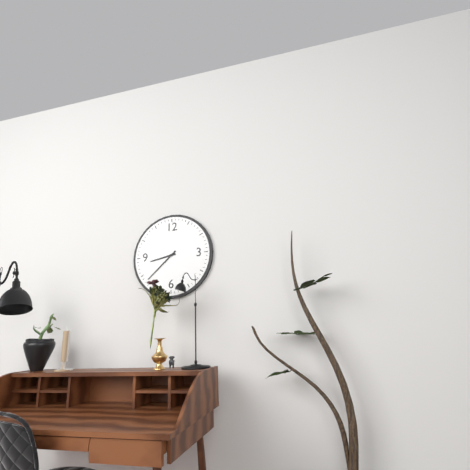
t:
8:38
